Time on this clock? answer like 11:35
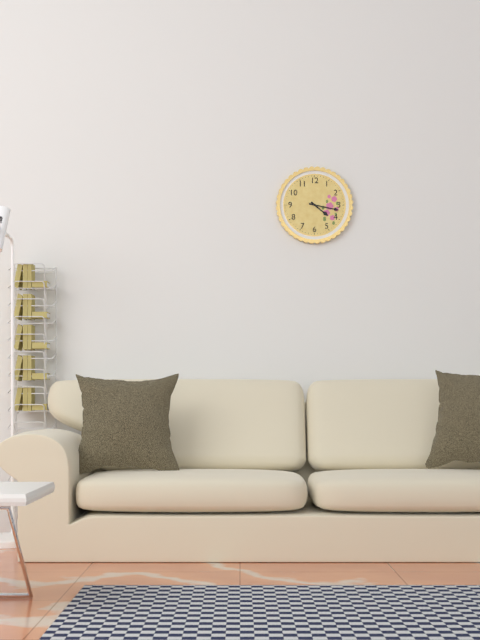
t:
4:17
